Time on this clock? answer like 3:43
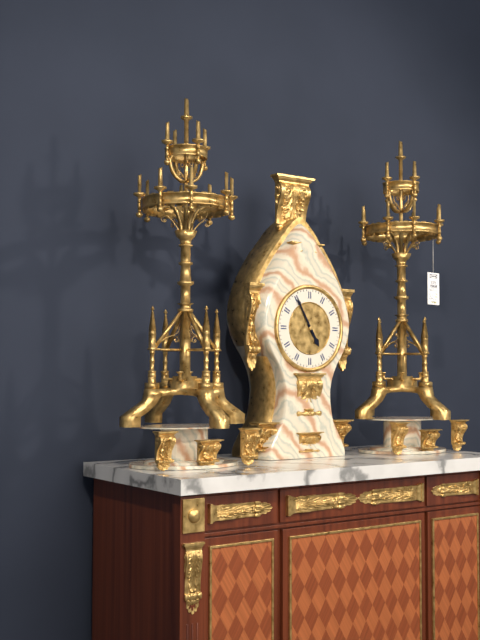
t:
4:55
